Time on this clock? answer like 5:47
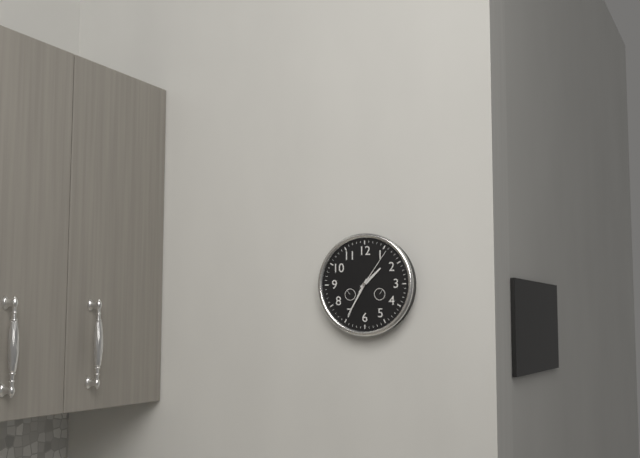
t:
1:35
